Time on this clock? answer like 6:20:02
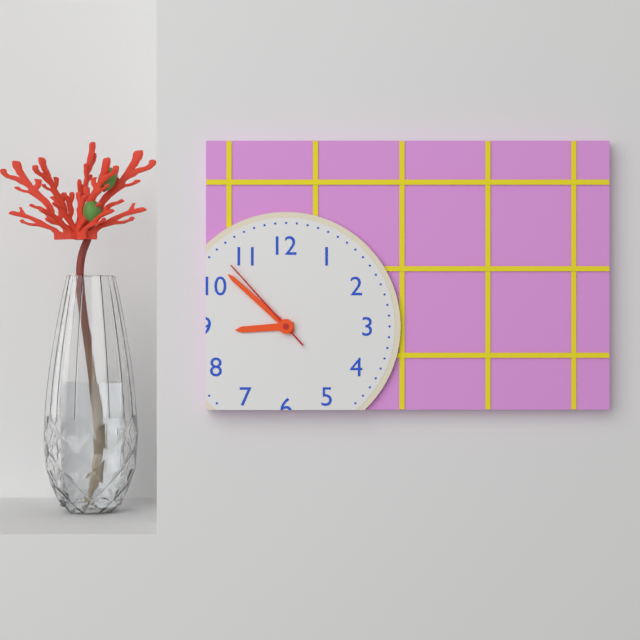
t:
8:52:53
